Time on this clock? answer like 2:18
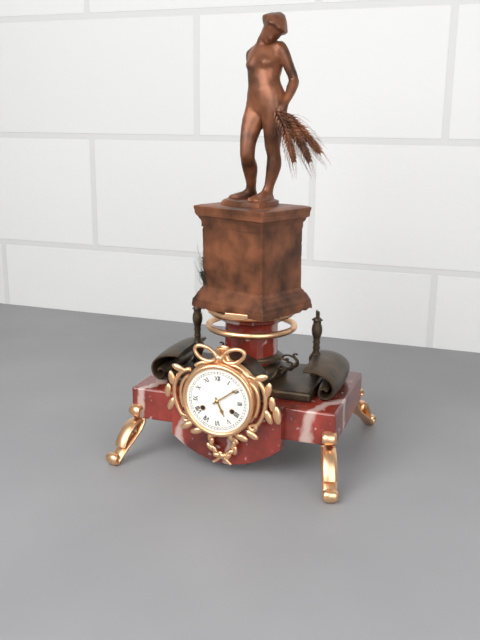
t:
5:09
